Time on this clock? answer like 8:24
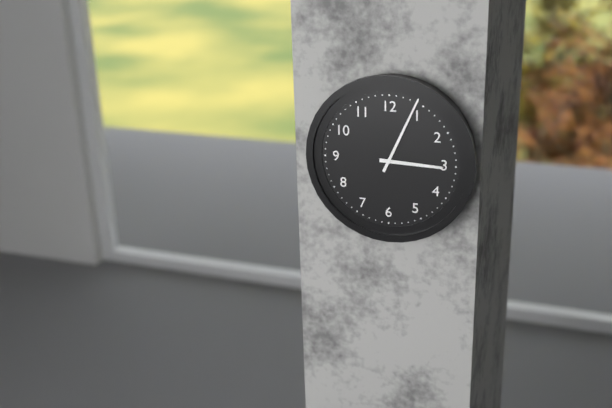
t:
3:04
